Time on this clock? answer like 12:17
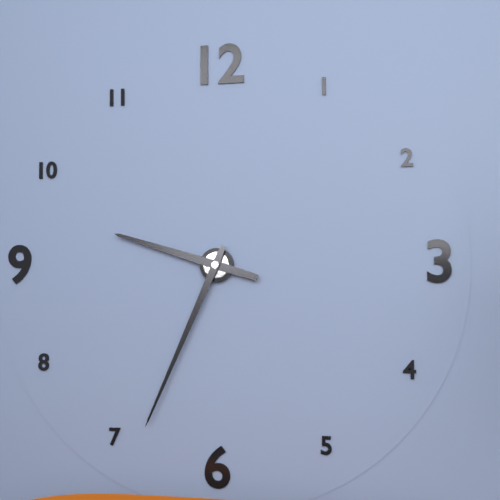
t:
9:34
